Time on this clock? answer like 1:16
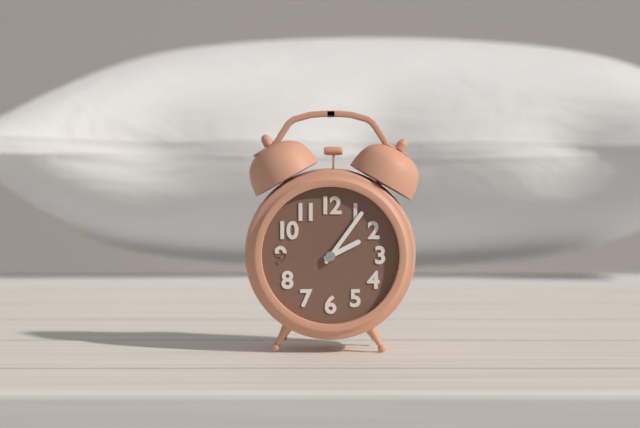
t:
2:06
